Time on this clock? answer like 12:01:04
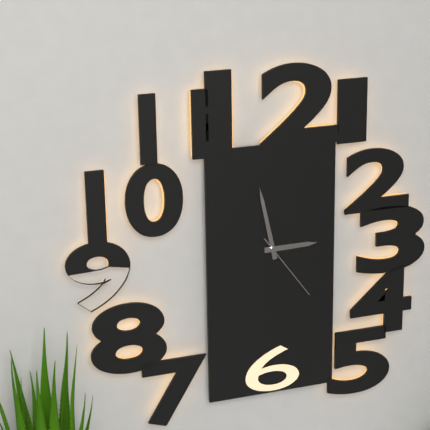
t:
2:58:24
